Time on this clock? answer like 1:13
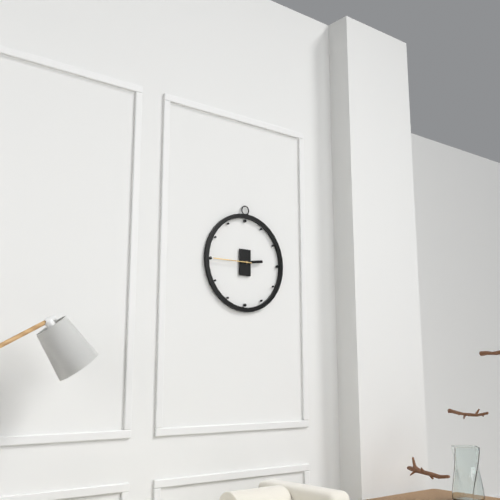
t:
2:45
